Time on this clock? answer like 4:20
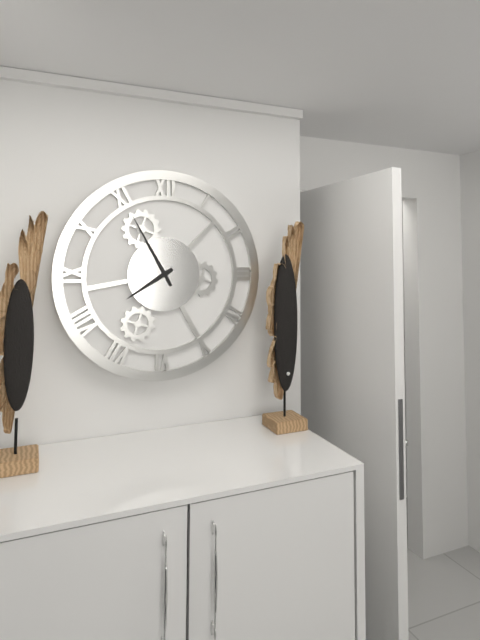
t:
7:55
